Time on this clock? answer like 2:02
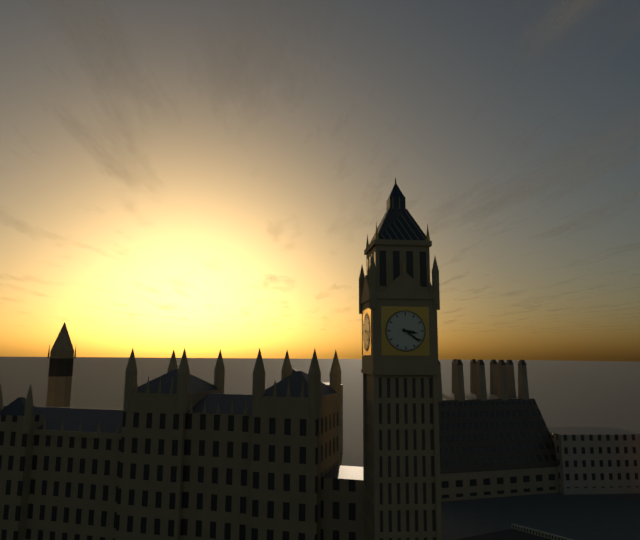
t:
3:21
